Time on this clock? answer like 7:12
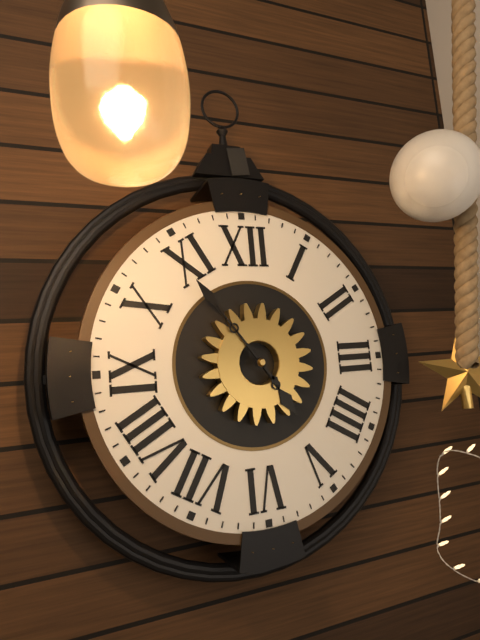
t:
4:54
